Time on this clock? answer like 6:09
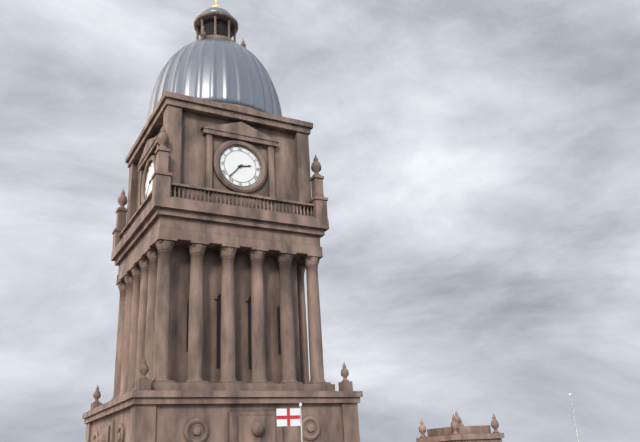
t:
2:37
